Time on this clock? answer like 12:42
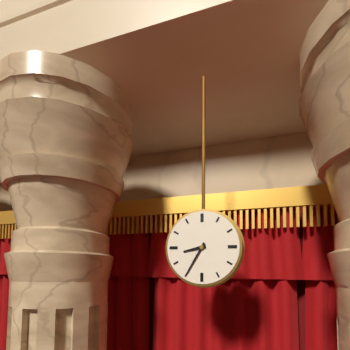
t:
8:35
